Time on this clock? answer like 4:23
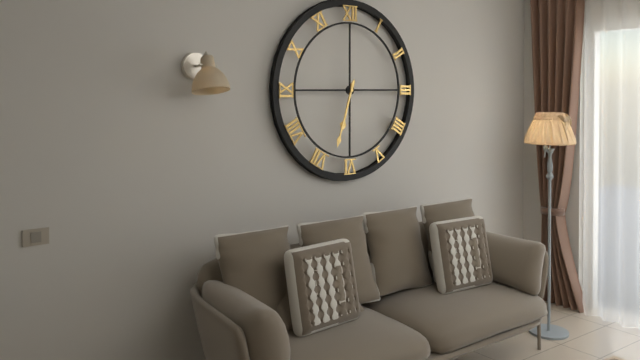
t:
6:33
